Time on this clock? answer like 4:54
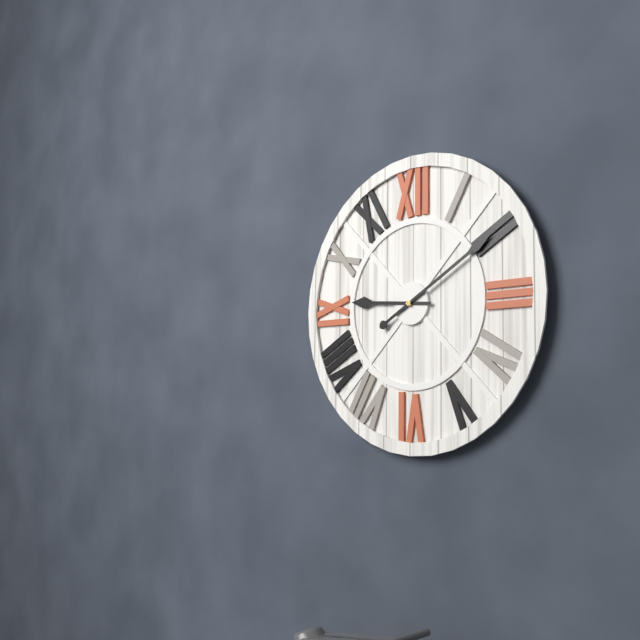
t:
9:10
